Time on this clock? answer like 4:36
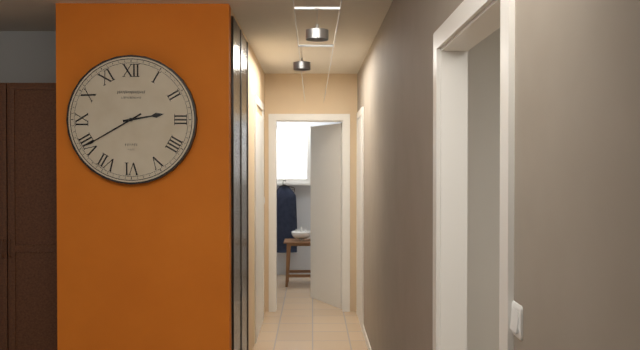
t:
2:40
